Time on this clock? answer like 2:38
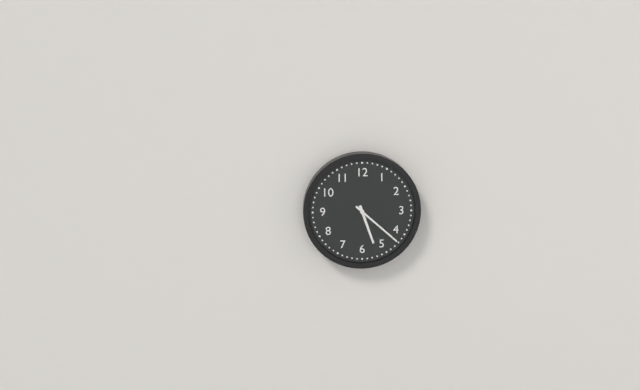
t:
5:22
